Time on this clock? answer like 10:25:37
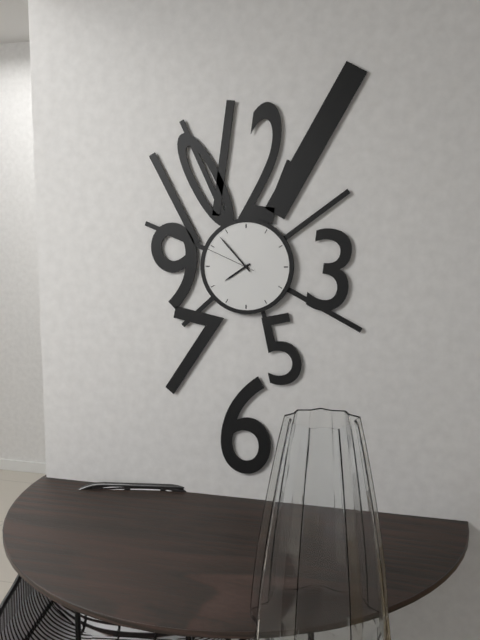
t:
7:53:49
